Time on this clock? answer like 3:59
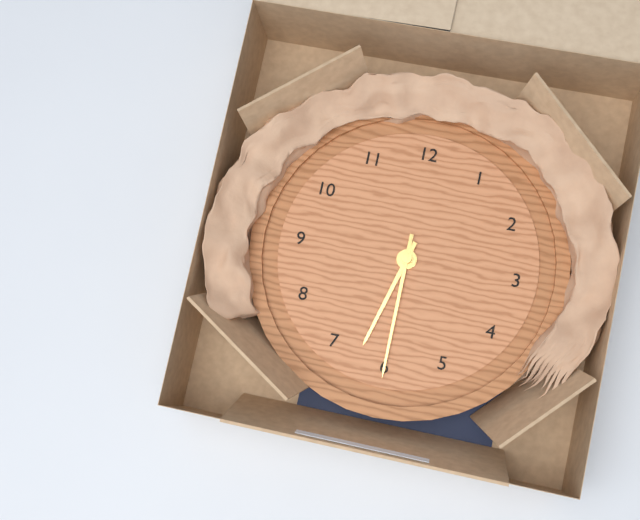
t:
6:30
